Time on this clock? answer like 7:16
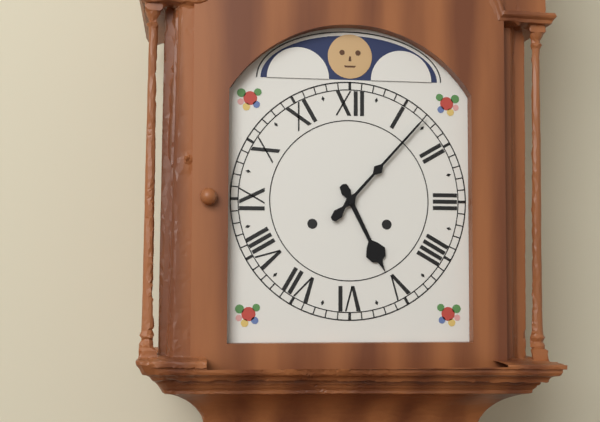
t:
5:07
